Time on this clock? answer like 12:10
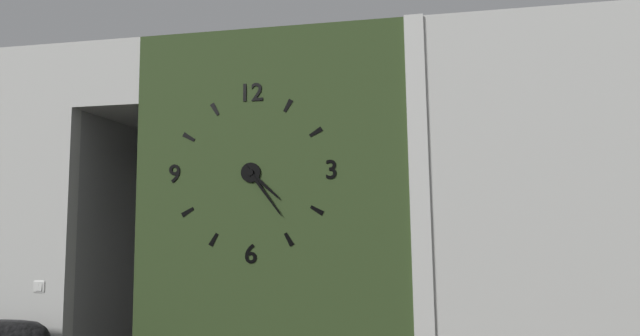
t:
4:24
